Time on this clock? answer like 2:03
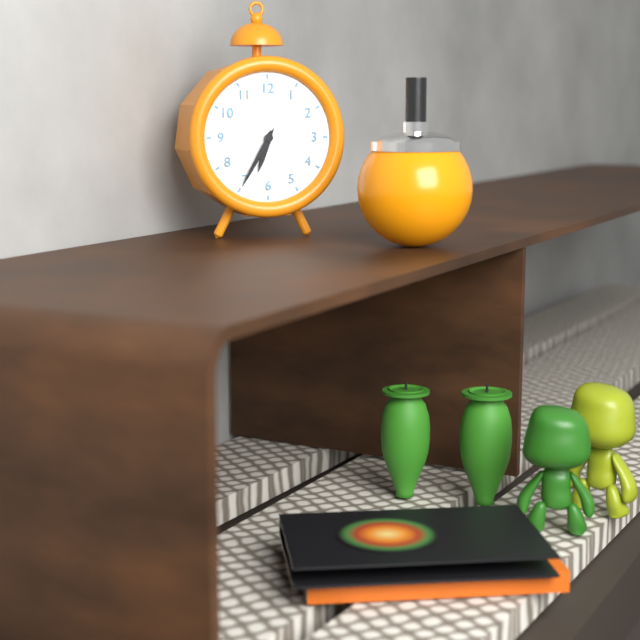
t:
6:35
